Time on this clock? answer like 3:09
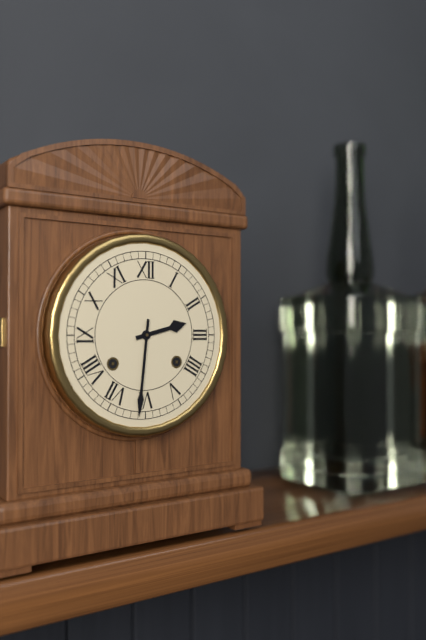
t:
2:31
